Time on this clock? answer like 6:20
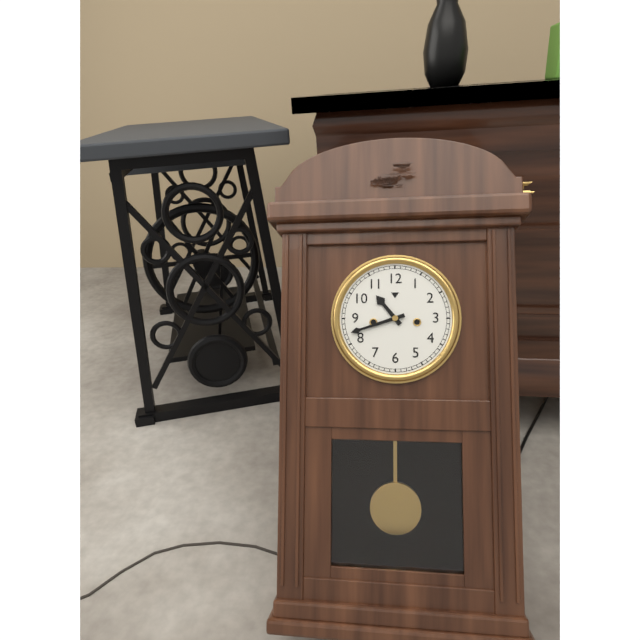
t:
10:42
